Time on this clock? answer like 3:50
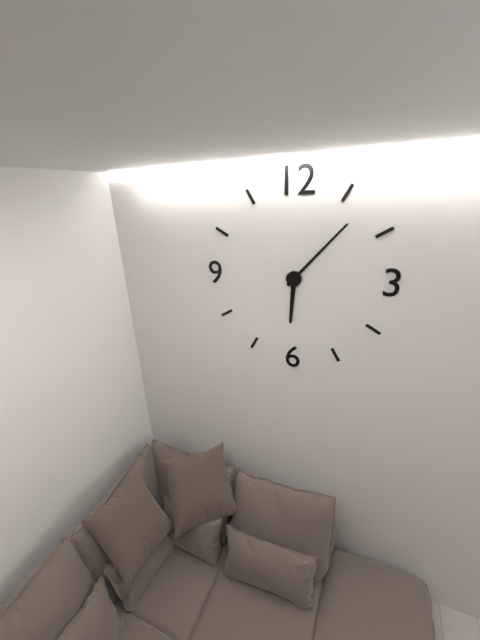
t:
6:07
